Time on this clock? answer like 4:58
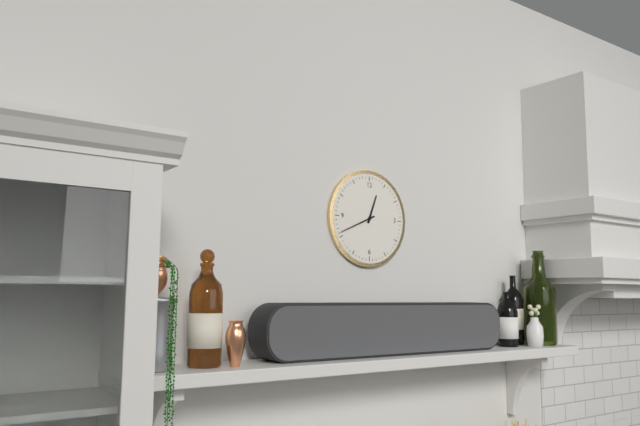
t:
12:41
